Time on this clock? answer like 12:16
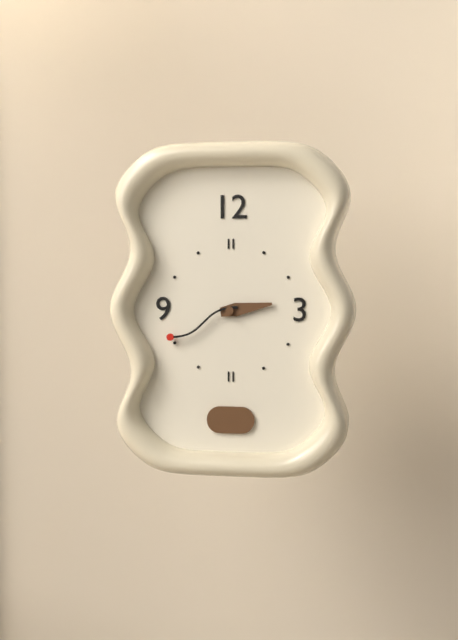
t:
2:41
